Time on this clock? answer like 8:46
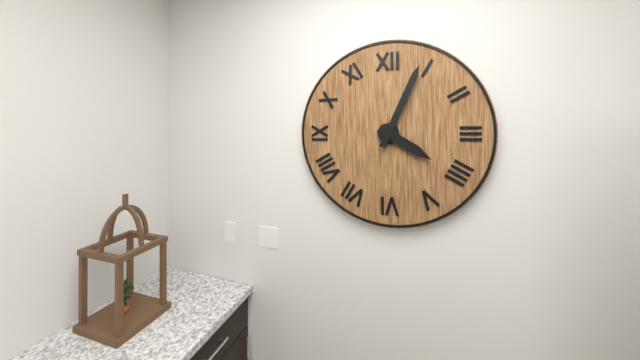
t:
4:04
